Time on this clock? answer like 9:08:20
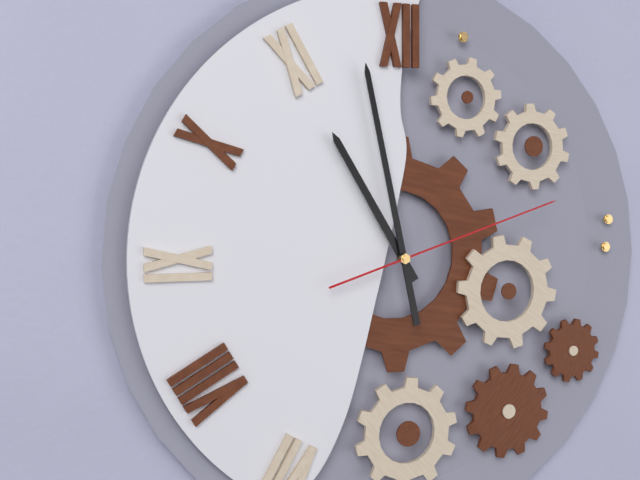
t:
10:58:12
